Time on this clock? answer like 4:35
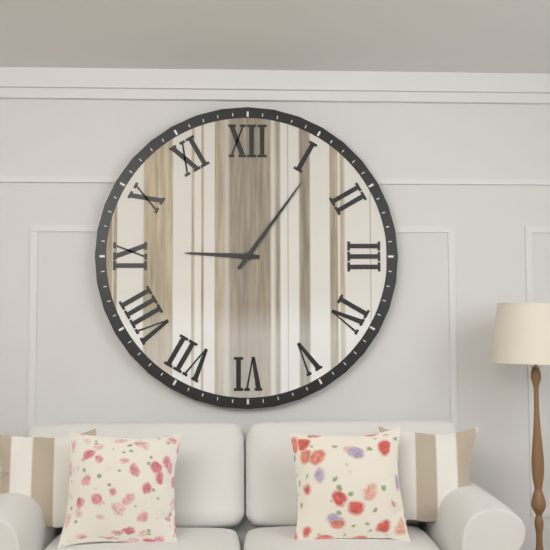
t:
9:06
